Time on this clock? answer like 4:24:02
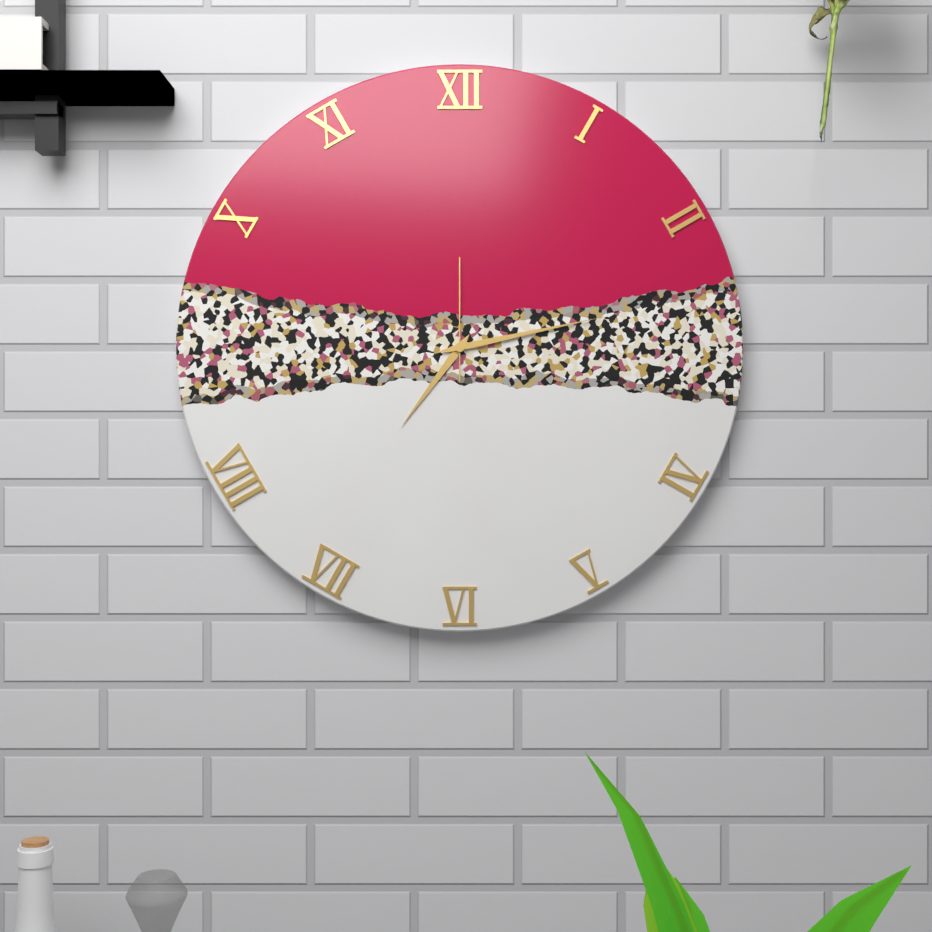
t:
7:13:00
